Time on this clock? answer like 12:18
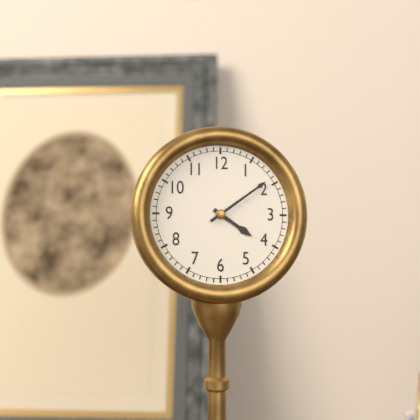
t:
4:09
